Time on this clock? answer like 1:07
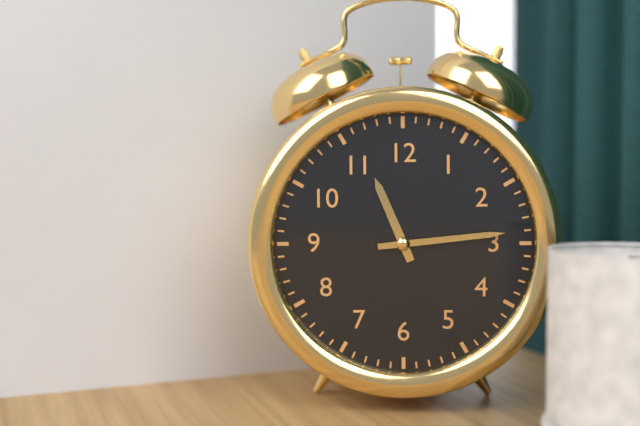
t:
11:14
